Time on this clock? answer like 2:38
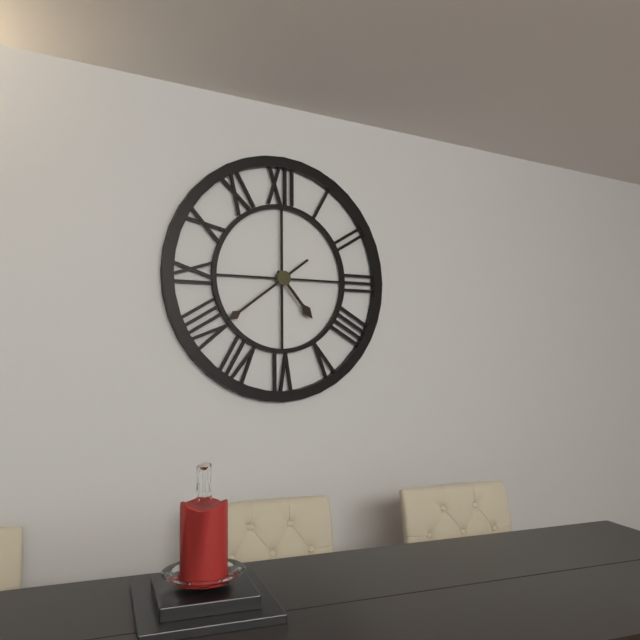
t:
4:39
